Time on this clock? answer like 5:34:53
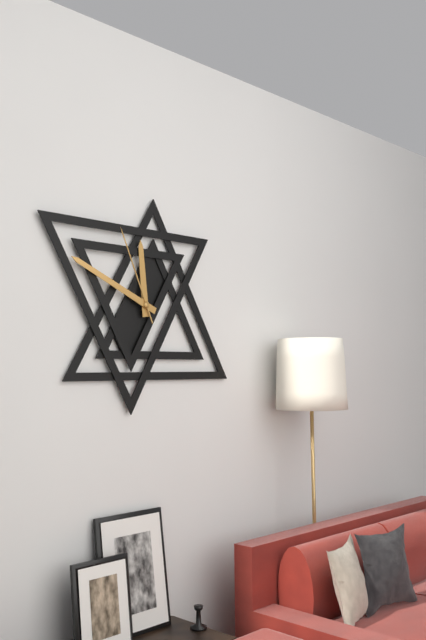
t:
11:49:56
